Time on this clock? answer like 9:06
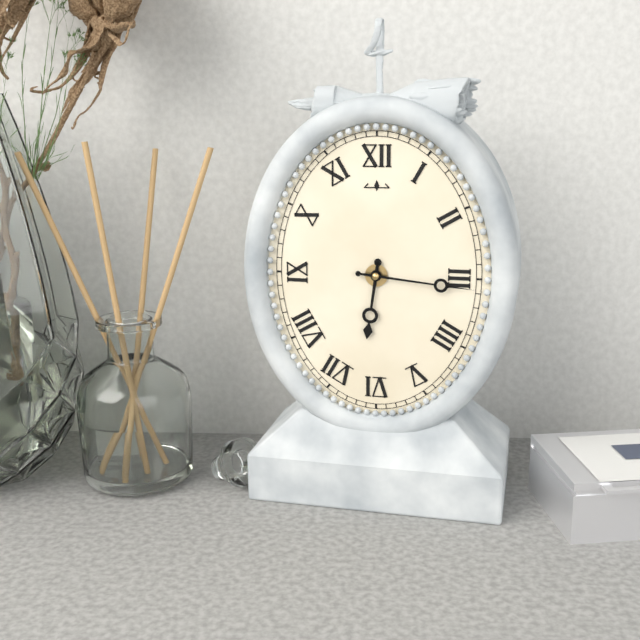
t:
6:16
